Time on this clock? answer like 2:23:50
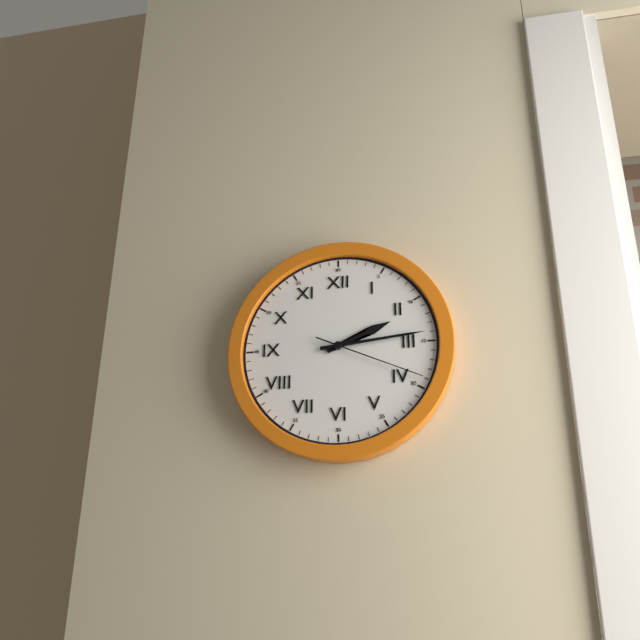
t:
2:14:19
